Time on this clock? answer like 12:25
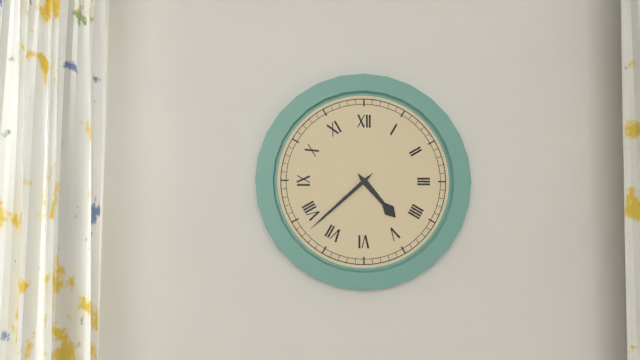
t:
4:38
